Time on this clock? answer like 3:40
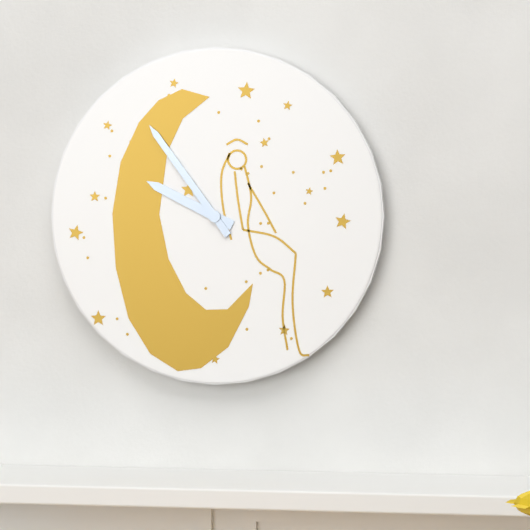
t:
9:54
